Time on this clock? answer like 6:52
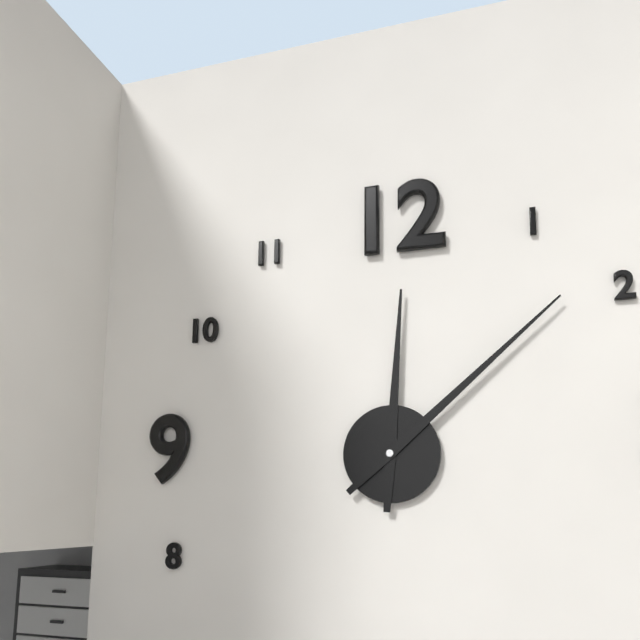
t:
12:08
